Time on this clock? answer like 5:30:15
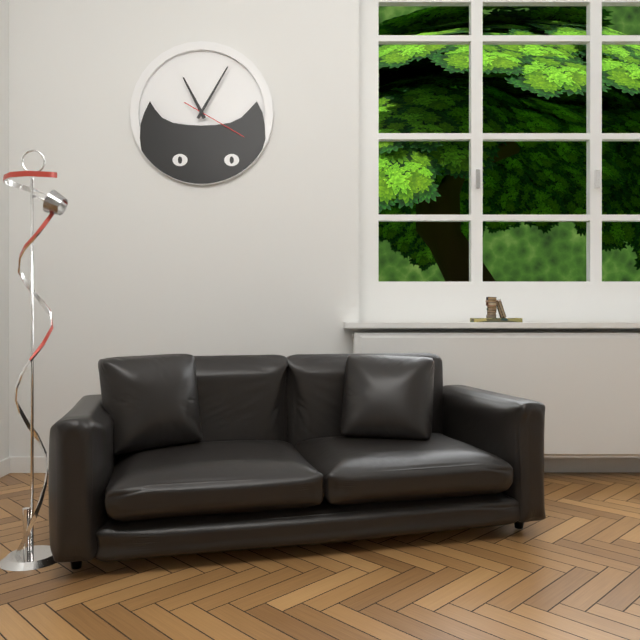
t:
11:05:20
